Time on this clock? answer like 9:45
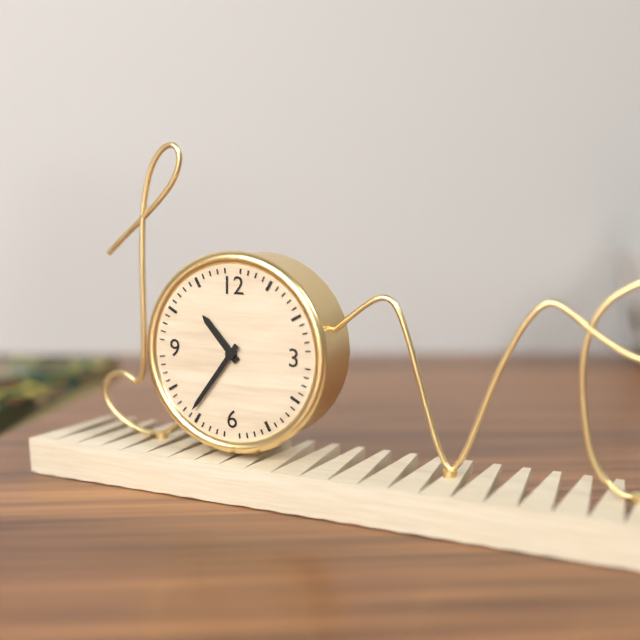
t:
10:36
